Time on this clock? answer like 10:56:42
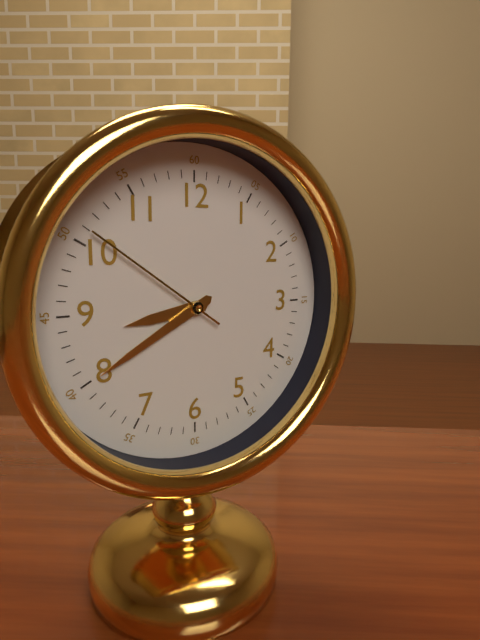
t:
8:40:51
